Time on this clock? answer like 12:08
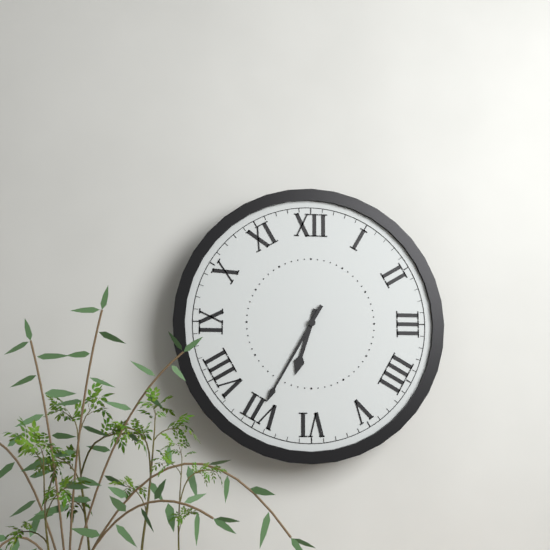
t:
6:35
